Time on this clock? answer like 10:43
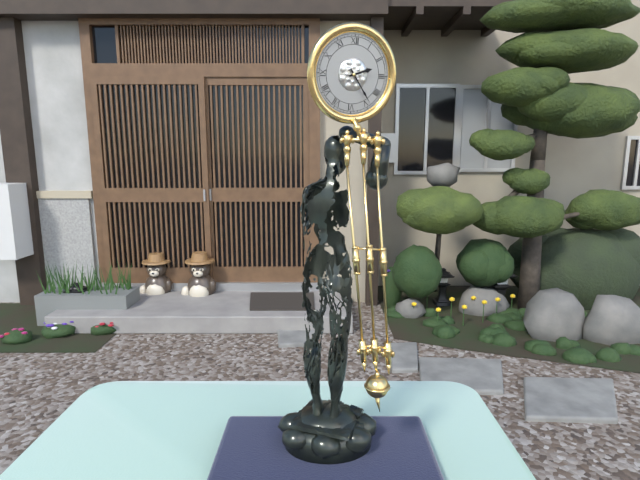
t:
2:24
